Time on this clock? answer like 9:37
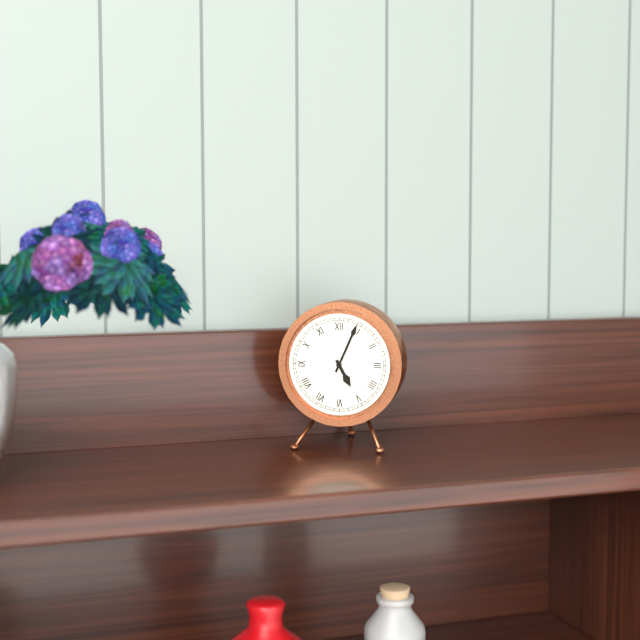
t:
5:04
